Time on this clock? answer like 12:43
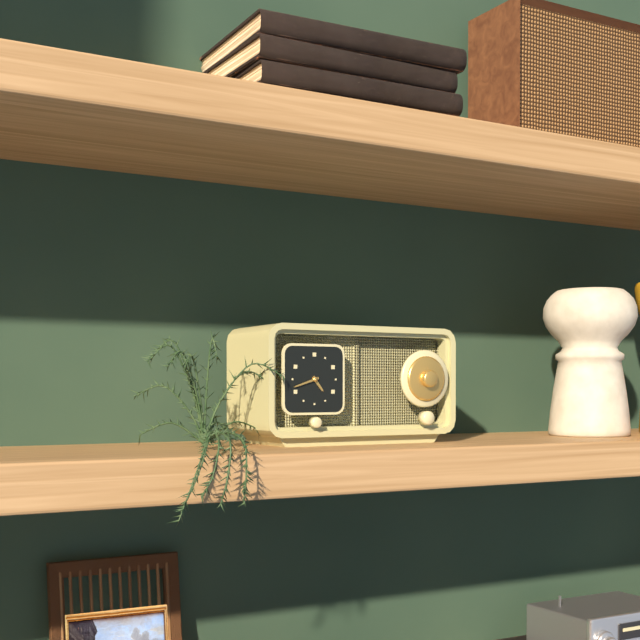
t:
4:42
